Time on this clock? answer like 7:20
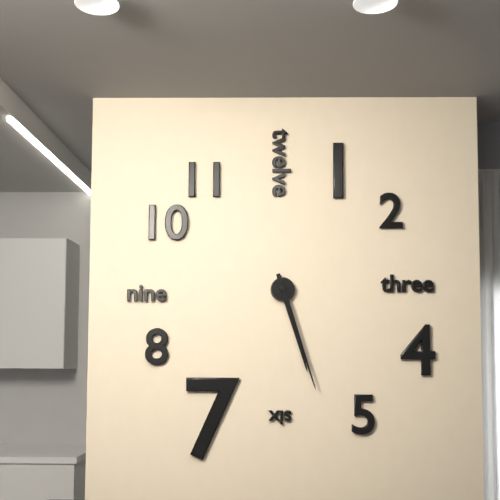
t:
5:27
